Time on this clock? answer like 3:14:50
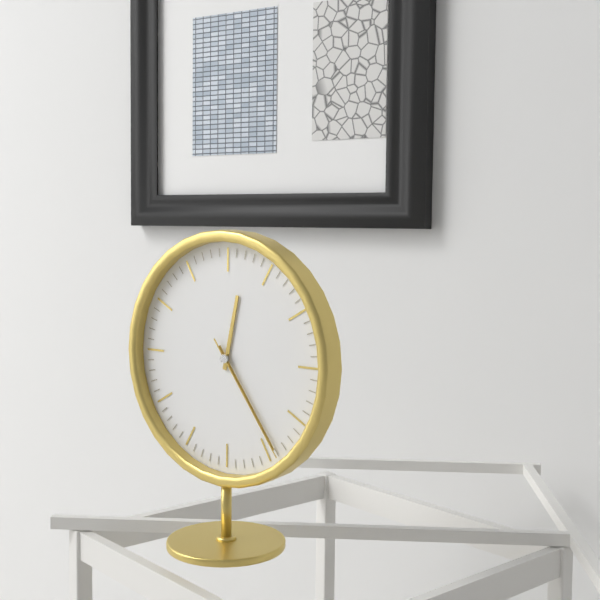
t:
12:24:24
